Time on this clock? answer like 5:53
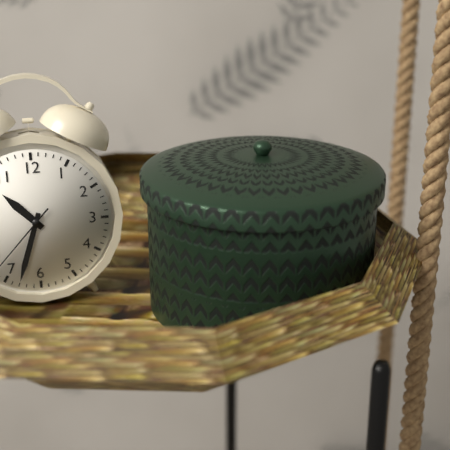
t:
10:33
